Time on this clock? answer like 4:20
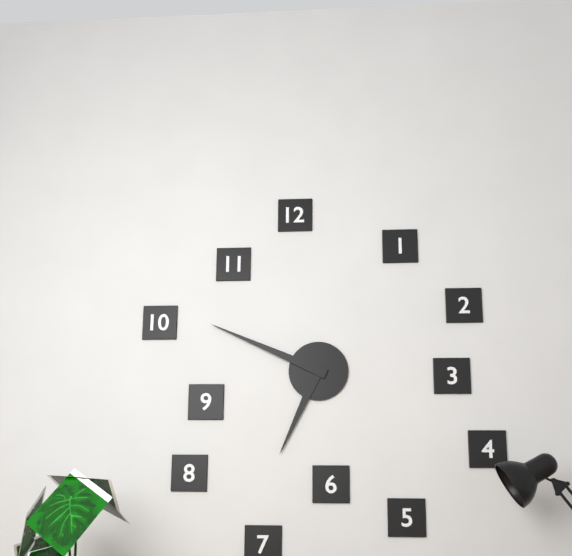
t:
6:49
